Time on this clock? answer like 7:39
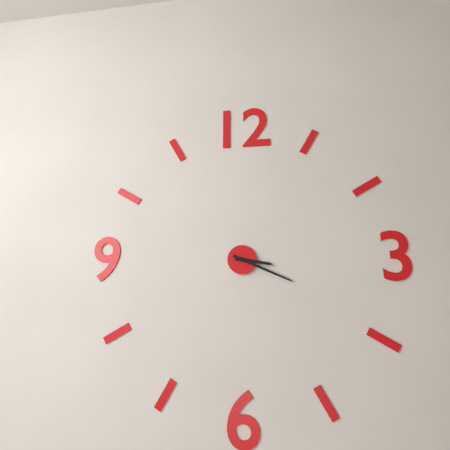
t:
3:19
